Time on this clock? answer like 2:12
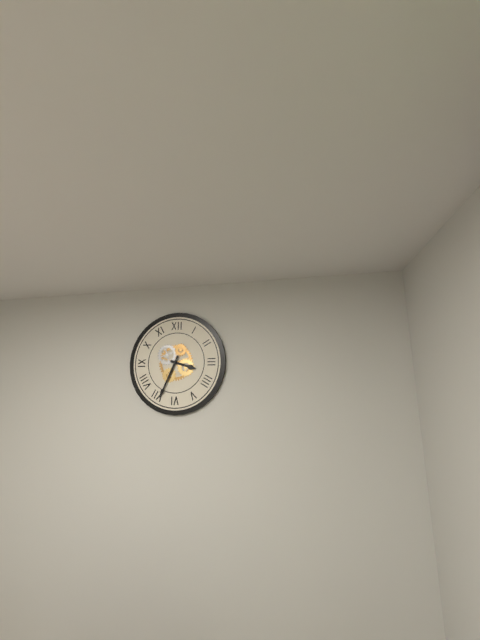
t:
3:34
